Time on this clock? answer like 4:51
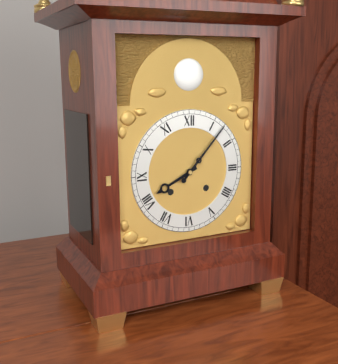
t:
8:07
